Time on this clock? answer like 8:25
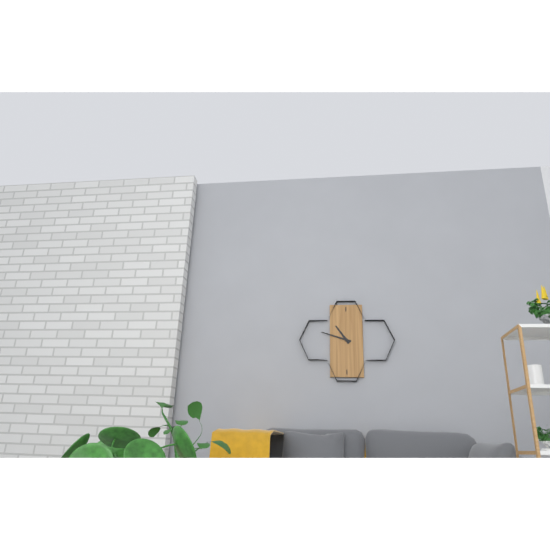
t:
10:48
